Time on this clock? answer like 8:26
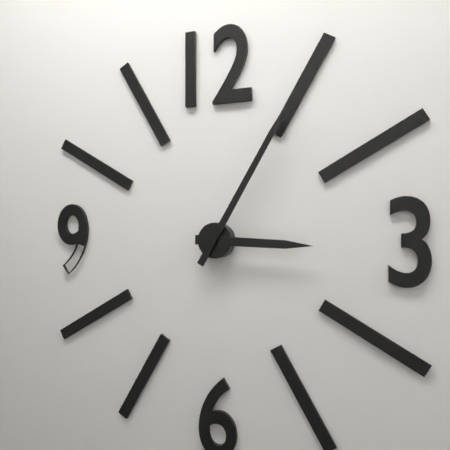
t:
3:05
